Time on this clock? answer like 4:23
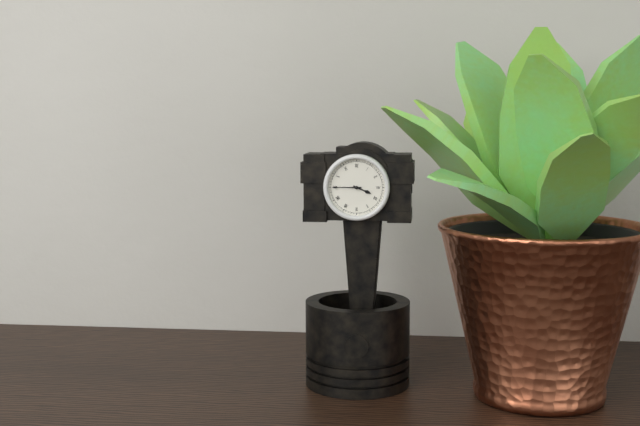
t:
3:45
